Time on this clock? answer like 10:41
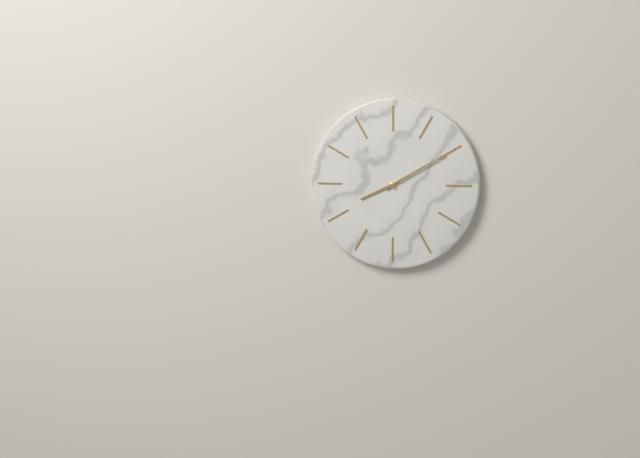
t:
8:10
